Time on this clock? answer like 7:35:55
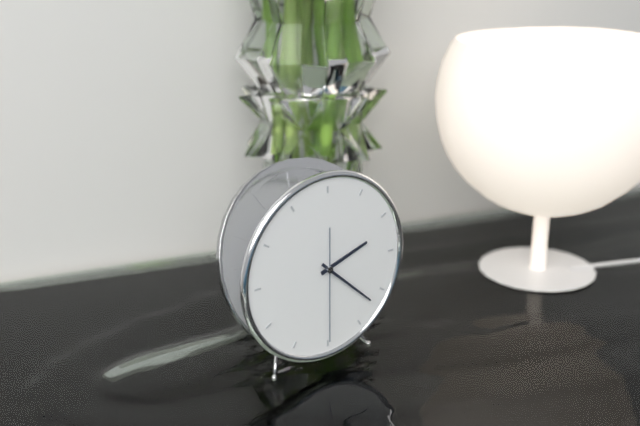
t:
2:22:30
